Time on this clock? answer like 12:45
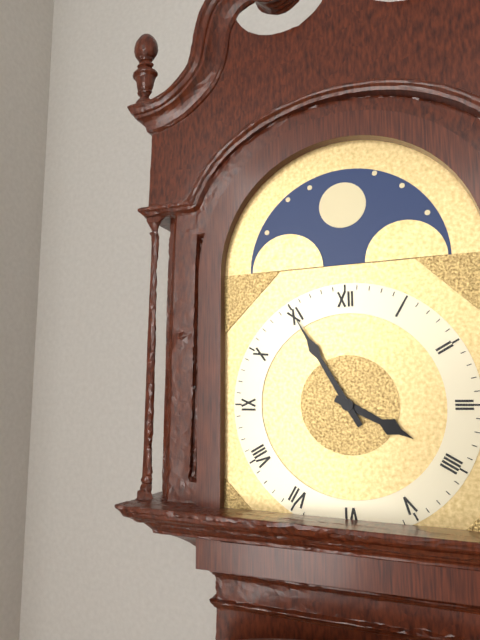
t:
3:55
